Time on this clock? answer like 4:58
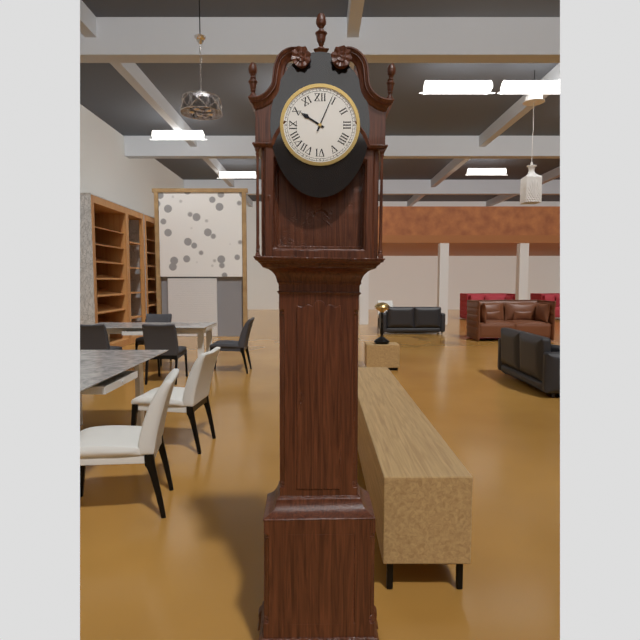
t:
10:04
